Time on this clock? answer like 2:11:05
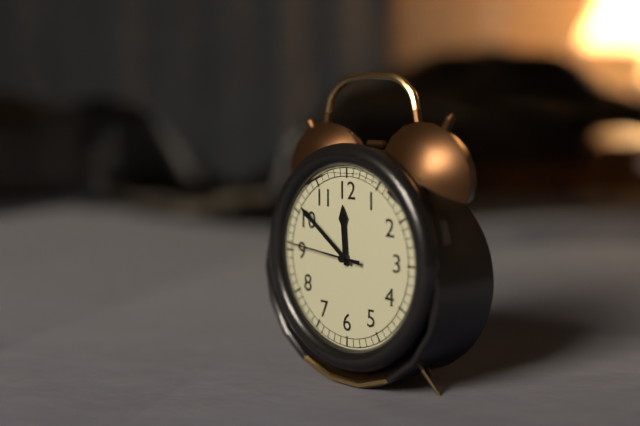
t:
11:51:46
